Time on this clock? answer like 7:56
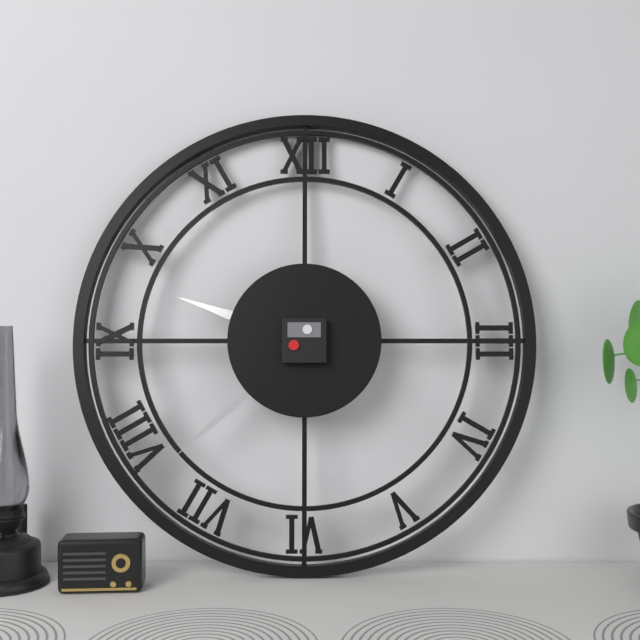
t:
9:38
